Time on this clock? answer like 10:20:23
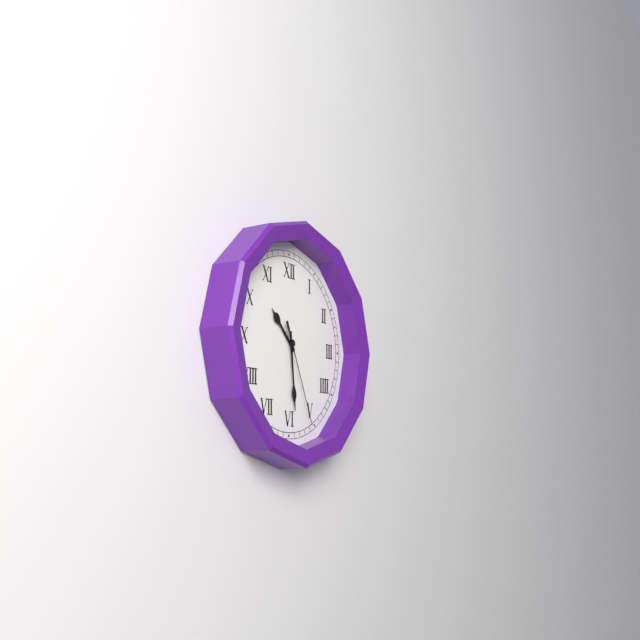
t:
10:29:26
